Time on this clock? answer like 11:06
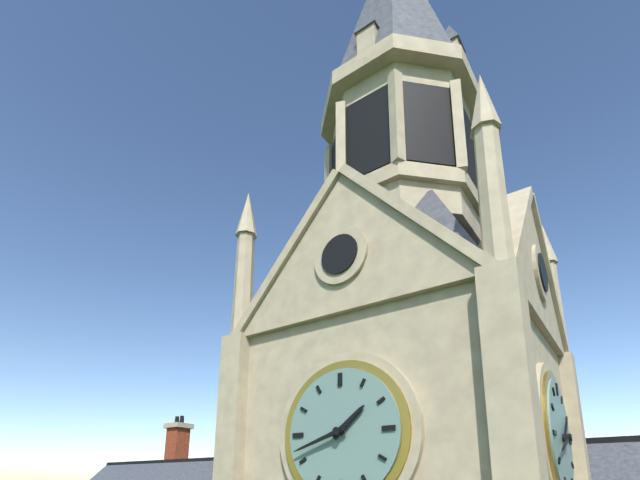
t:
1:42
